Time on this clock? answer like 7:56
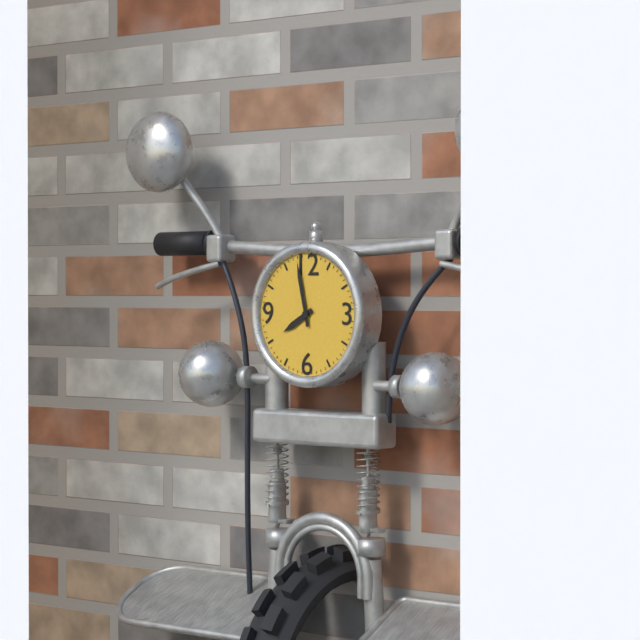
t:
7:58
